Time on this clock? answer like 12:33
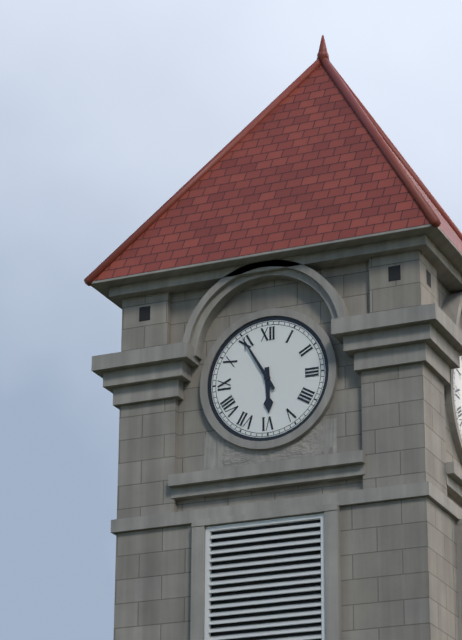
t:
5:55
